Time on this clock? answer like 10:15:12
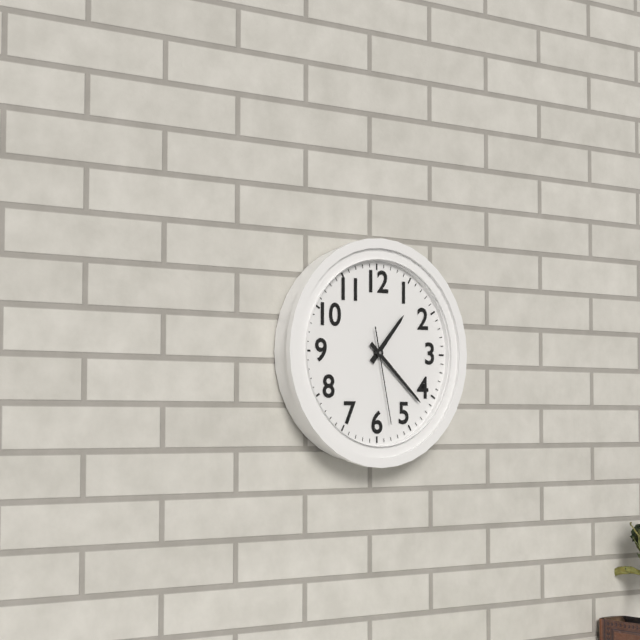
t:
1:22:28
